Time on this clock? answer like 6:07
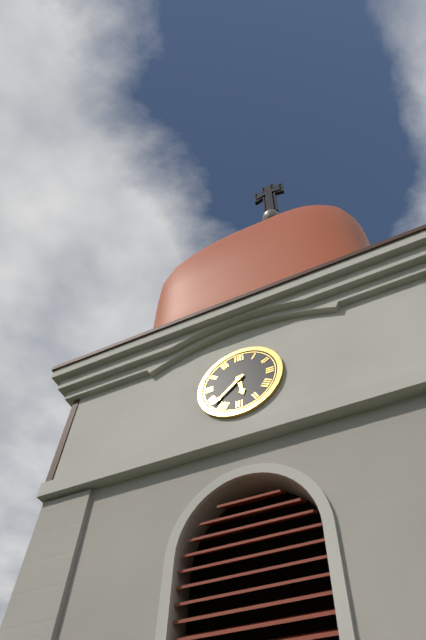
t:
5:38
